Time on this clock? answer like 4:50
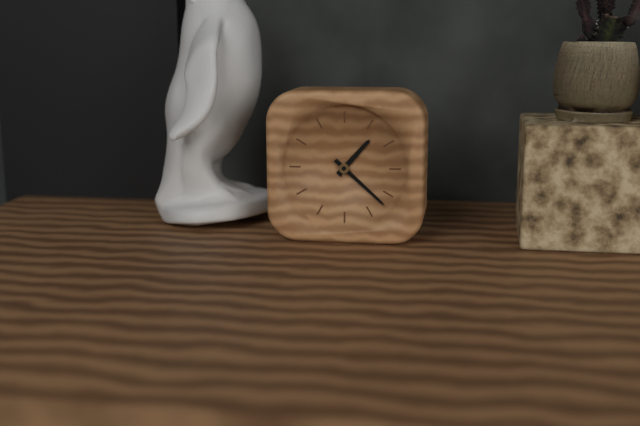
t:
1:22
